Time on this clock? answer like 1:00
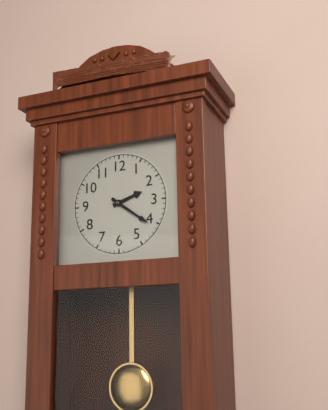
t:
2:21
